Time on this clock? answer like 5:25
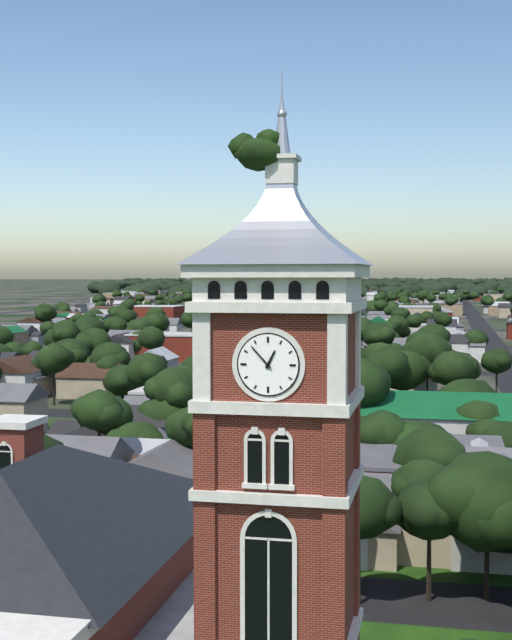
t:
12:53
